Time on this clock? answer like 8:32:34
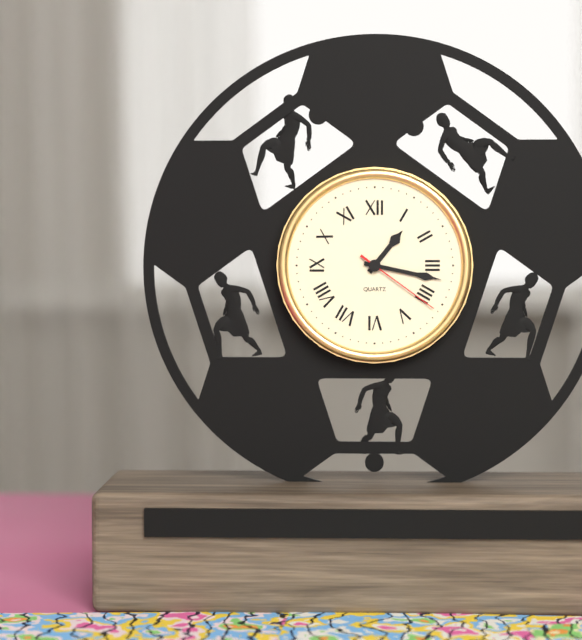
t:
1:17:21
